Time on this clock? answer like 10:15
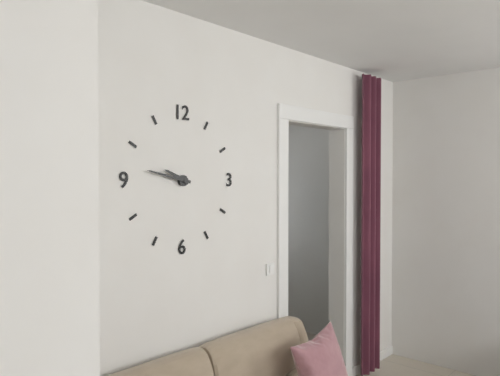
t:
9:47
